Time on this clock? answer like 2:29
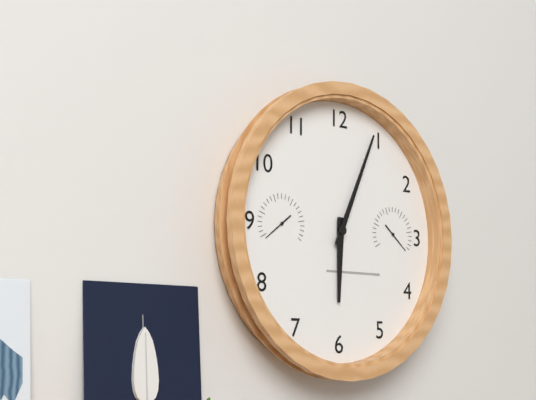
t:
6:04
